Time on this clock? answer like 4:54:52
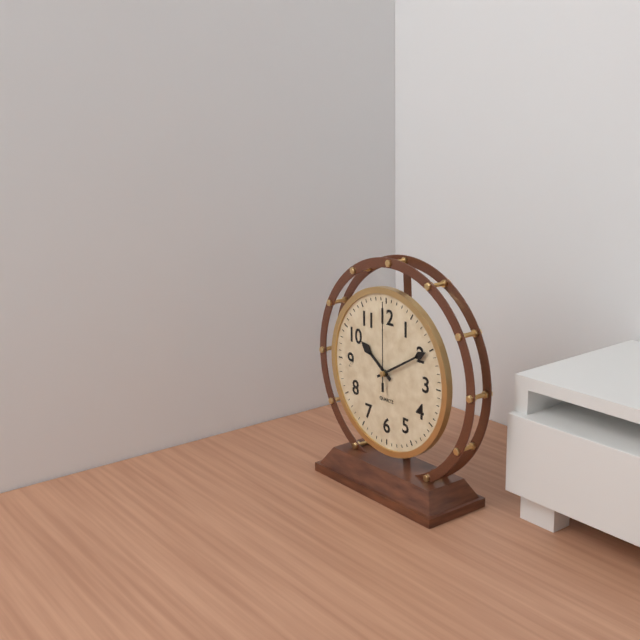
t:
10:10:00
